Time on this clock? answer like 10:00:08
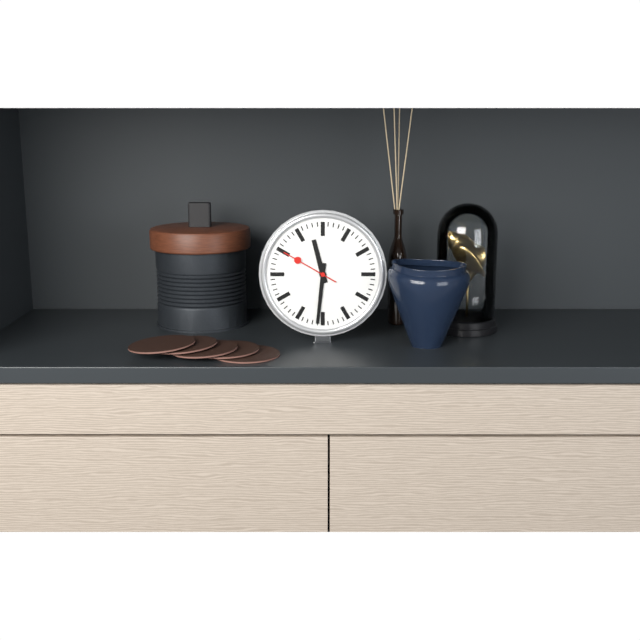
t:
11:31:50
